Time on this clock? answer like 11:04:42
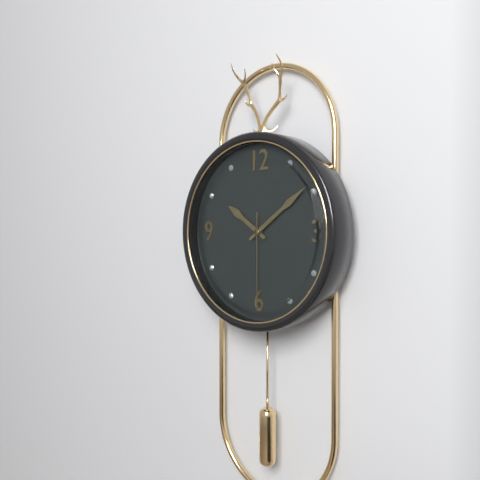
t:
10:09:30
